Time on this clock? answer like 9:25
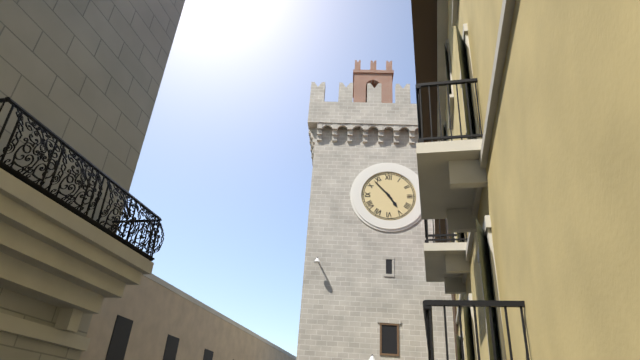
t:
4:53
